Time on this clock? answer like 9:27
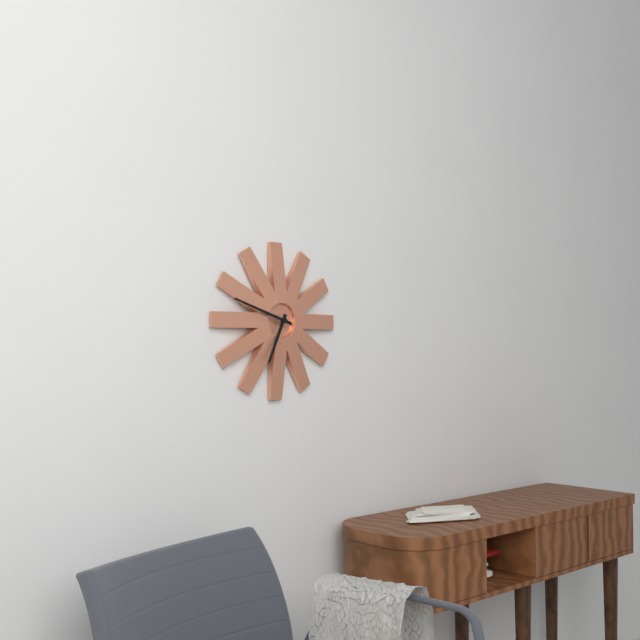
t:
6:48
